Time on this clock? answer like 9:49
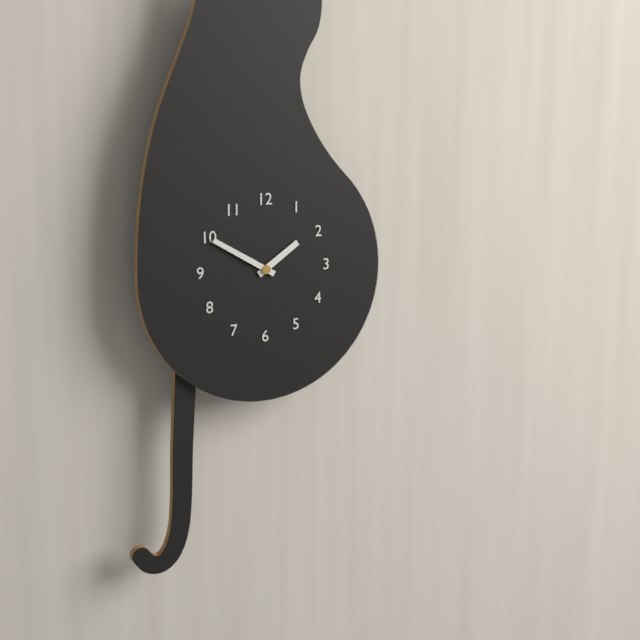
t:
1:50
